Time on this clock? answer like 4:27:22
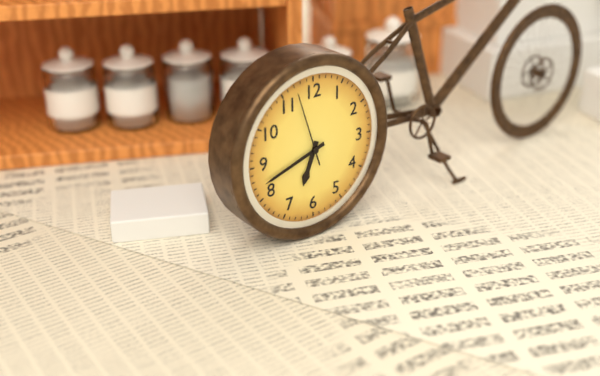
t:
6:42:57
